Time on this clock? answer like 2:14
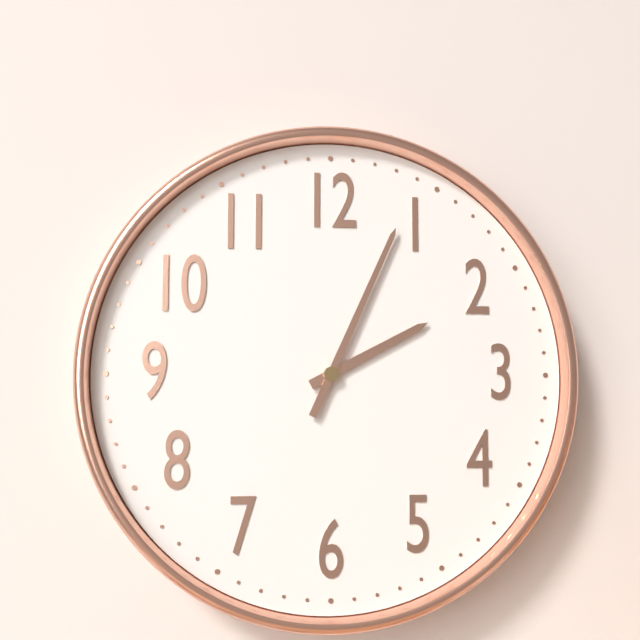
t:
2:04
